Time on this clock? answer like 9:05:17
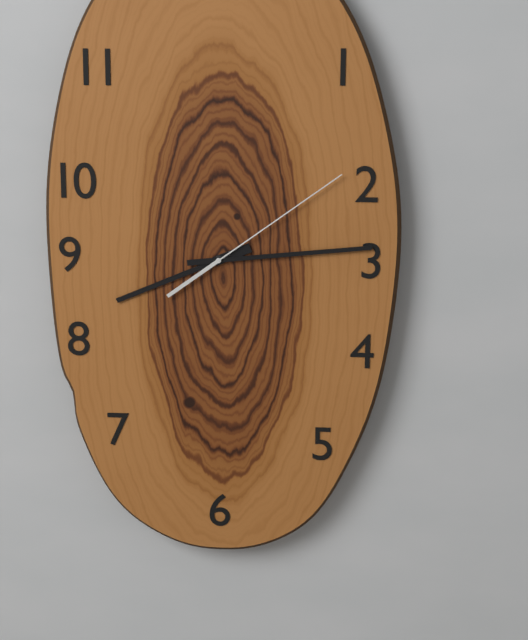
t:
8:14:09
